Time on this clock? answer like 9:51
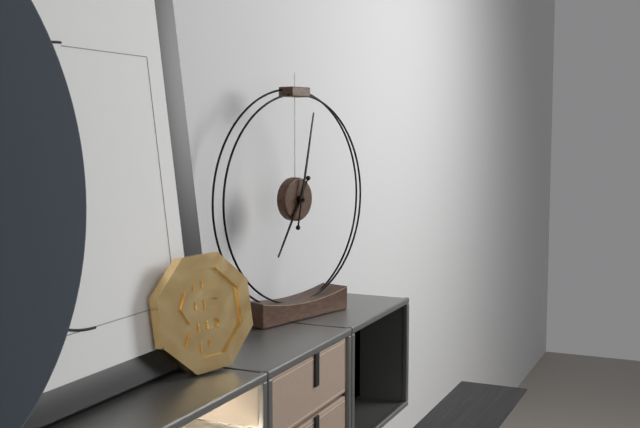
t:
7:02
